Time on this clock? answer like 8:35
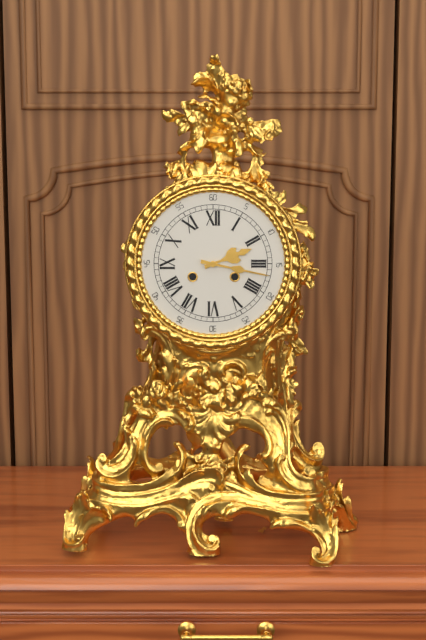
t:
2:17
